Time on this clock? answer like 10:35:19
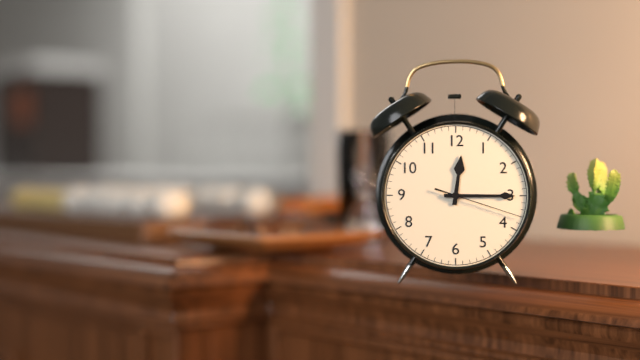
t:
12:15:18
